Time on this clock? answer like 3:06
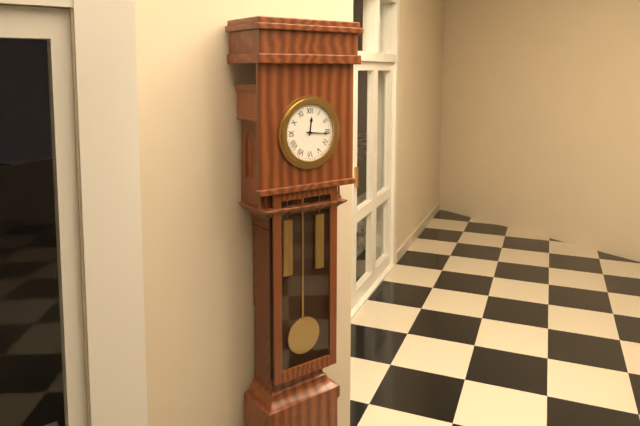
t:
12:16
